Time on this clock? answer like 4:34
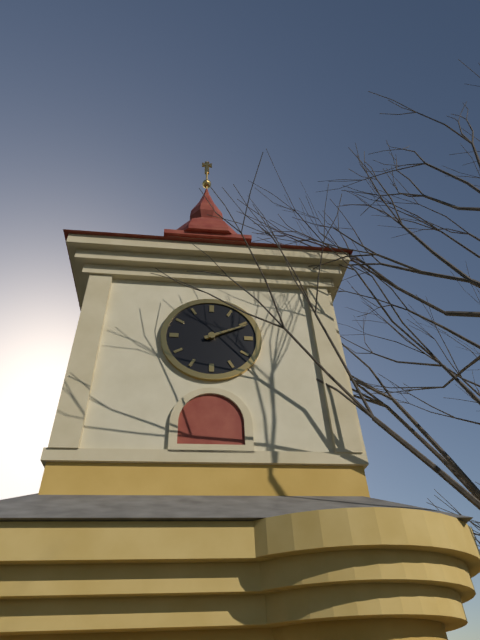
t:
2:11
